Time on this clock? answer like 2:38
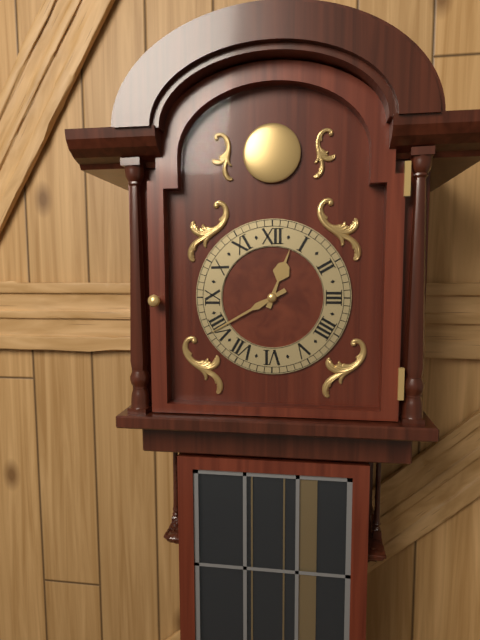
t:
12:40
